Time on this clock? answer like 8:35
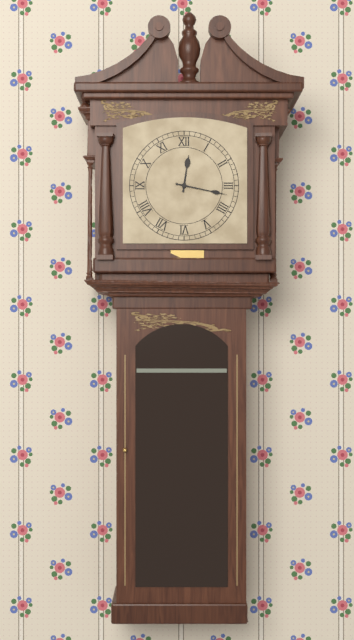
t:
12:17
